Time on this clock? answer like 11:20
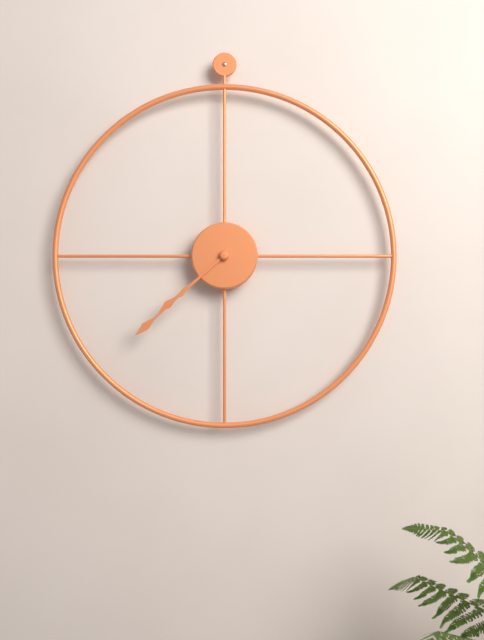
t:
7:38
